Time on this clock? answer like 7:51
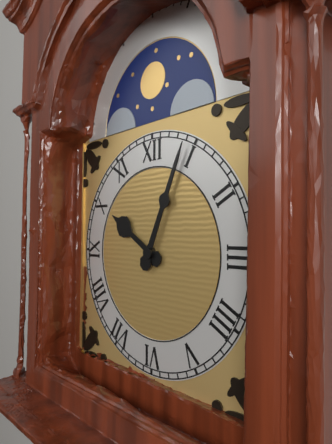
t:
10:04
